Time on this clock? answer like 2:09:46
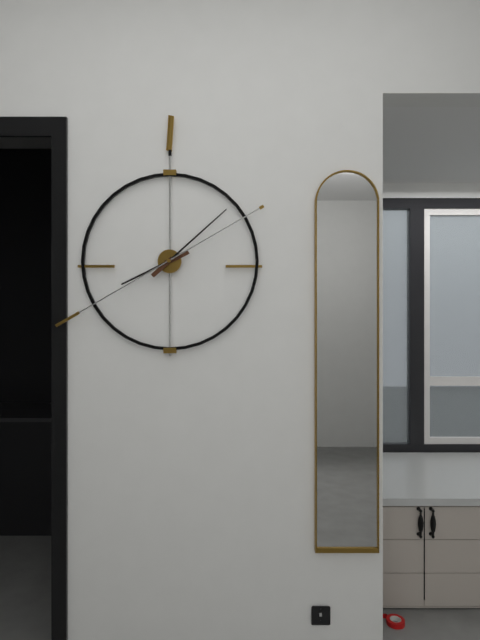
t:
8:08:40
